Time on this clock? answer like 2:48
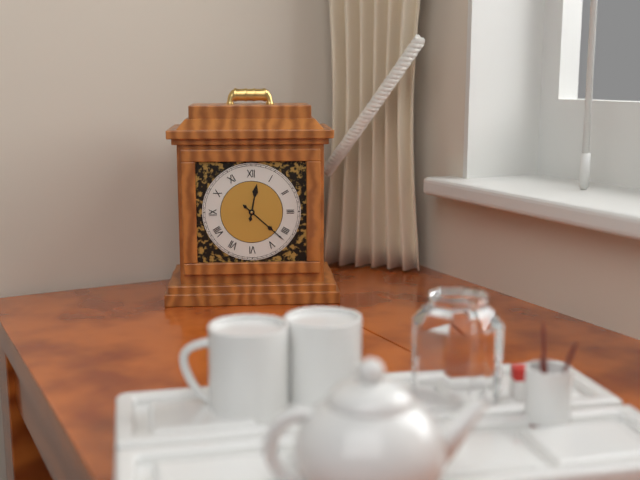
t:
12:22
